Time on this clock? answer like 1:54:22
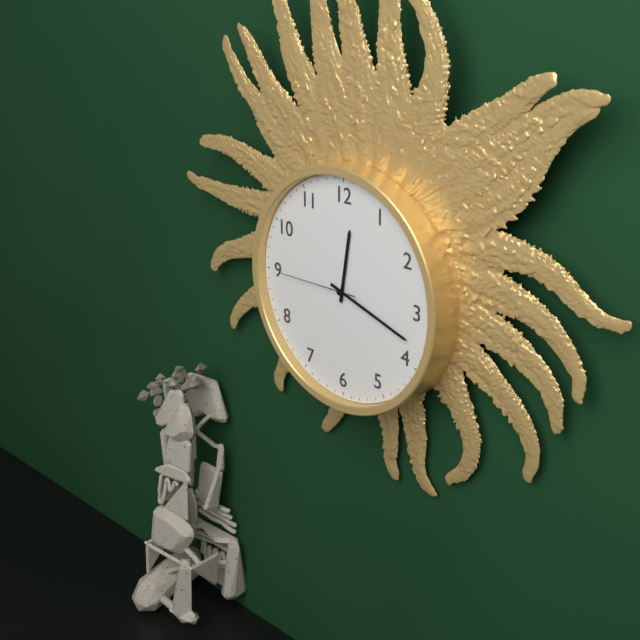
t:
12:18:45
